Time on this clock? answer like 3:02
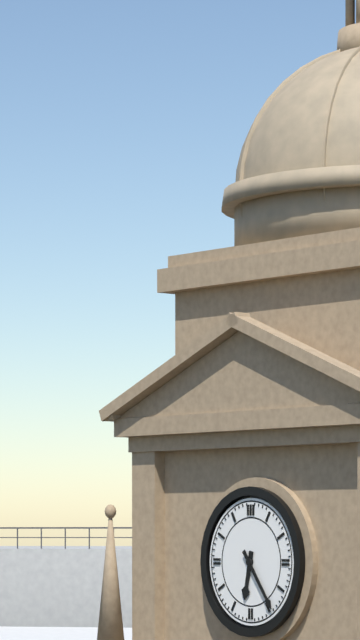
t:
6:24
